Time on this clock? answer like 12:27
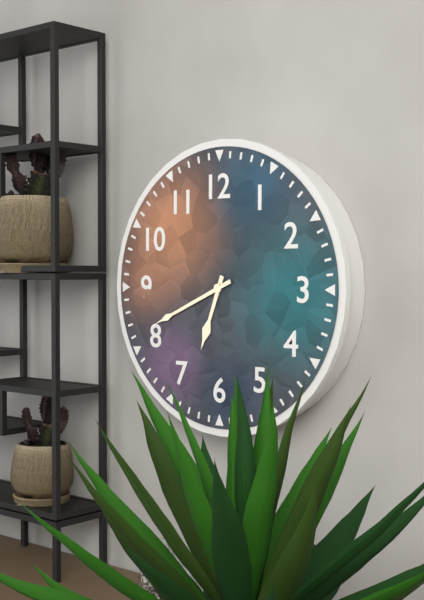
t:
6:41
